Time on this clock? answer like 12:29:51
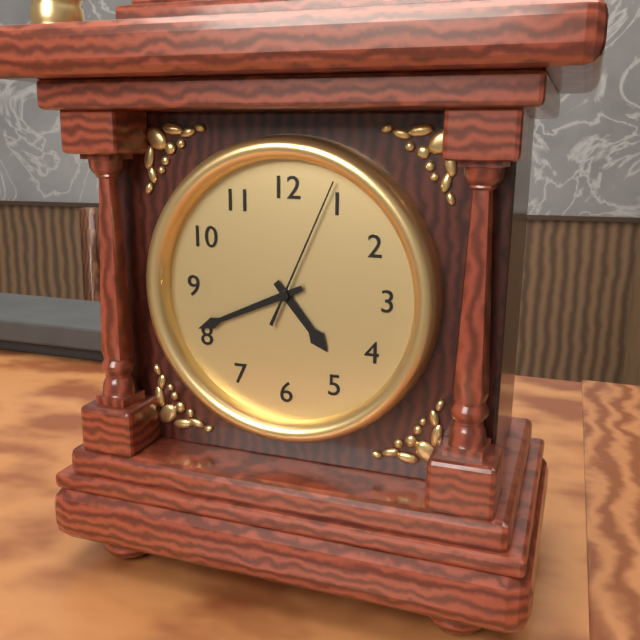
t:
4:41:04
